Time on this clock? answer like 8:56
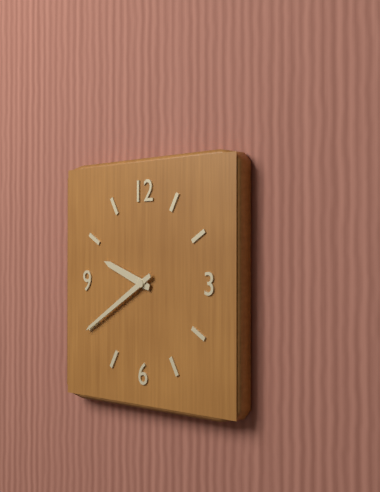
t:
9:40
